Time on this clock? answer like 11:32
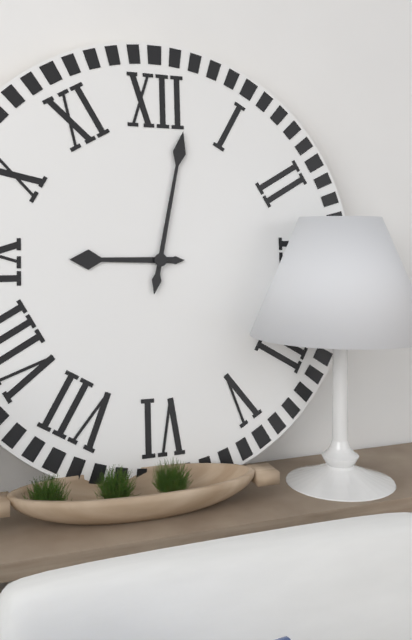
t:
9:02
